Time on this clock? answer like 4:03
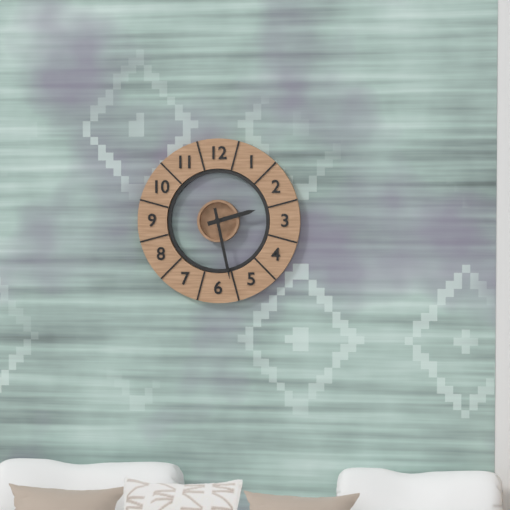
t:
2:28
